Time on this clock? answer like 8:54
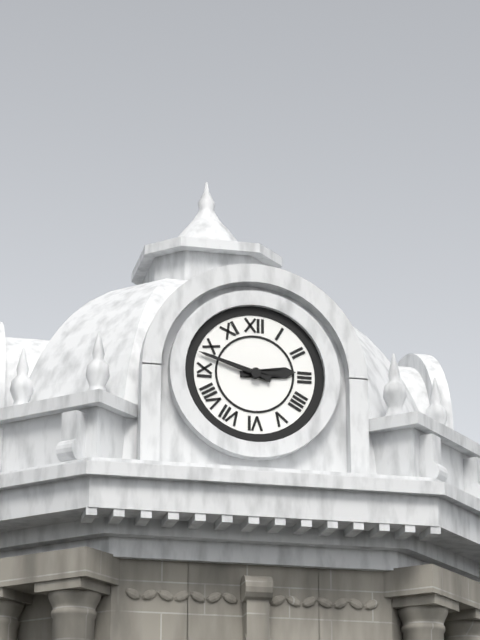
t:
2:48
